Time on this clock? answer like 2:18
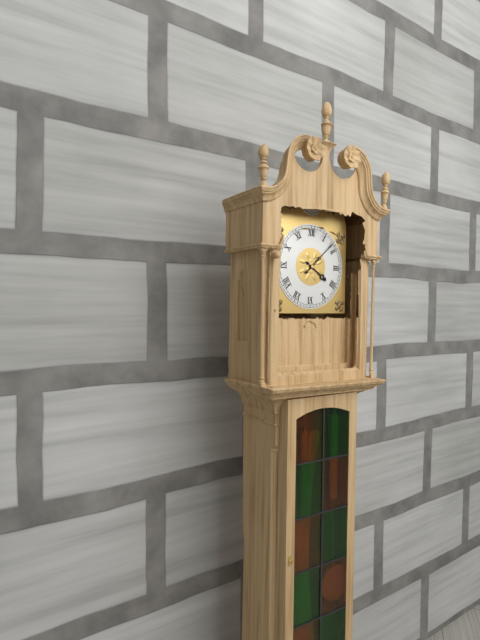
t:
4:08
